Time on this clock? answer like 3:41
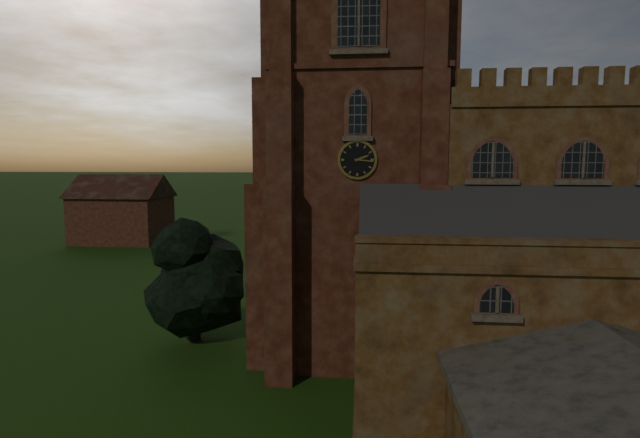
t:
2:16
